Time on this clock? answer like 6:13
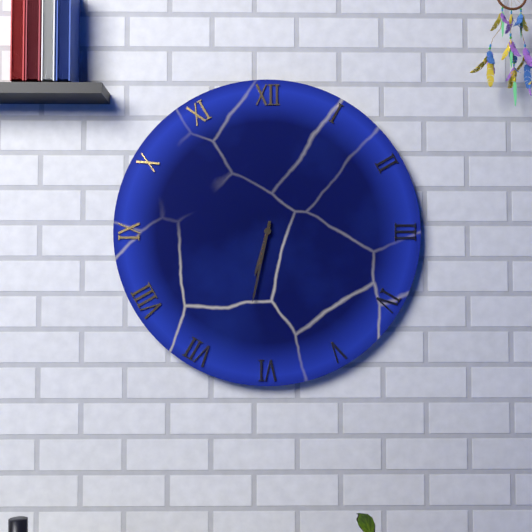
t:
6:32
